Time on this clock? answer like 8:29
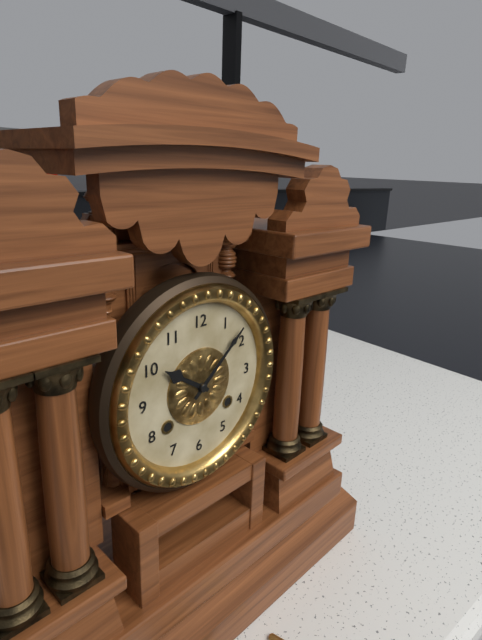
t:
10:08
